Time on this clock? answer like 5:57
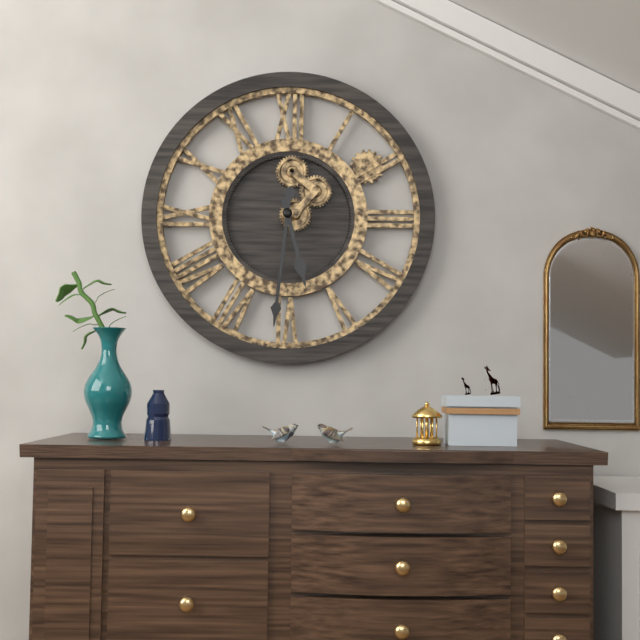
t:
5:31
